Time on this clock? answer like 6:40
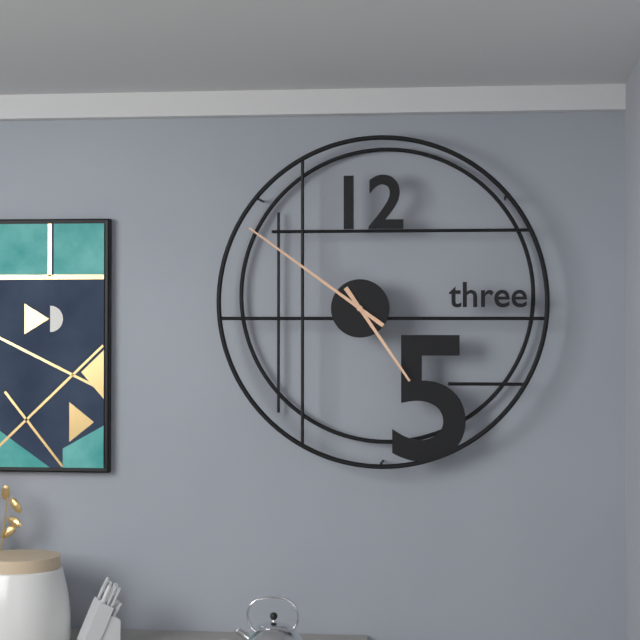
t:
4:51
